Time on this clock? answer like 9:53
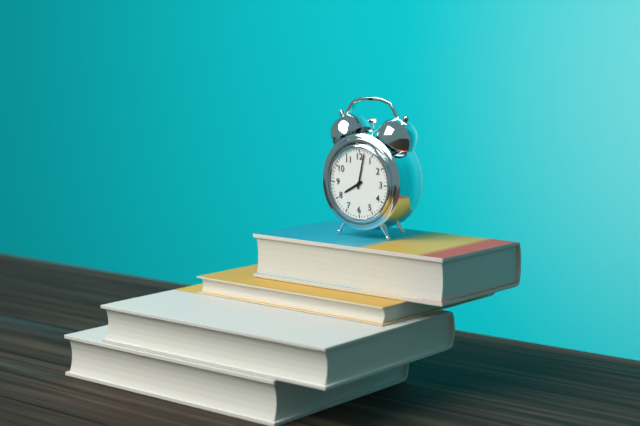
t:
8:02
